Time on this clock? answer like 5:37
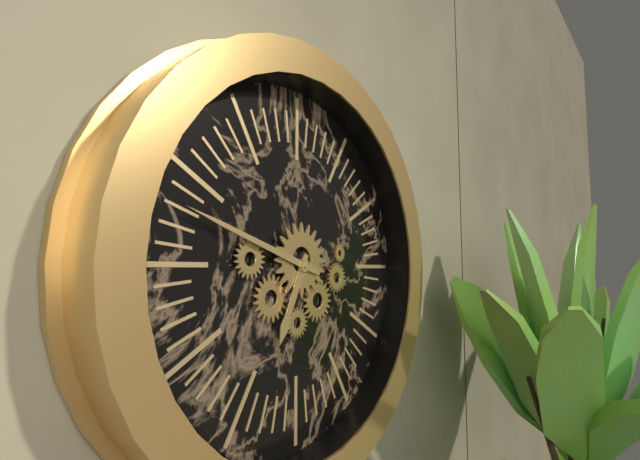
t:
6:48
